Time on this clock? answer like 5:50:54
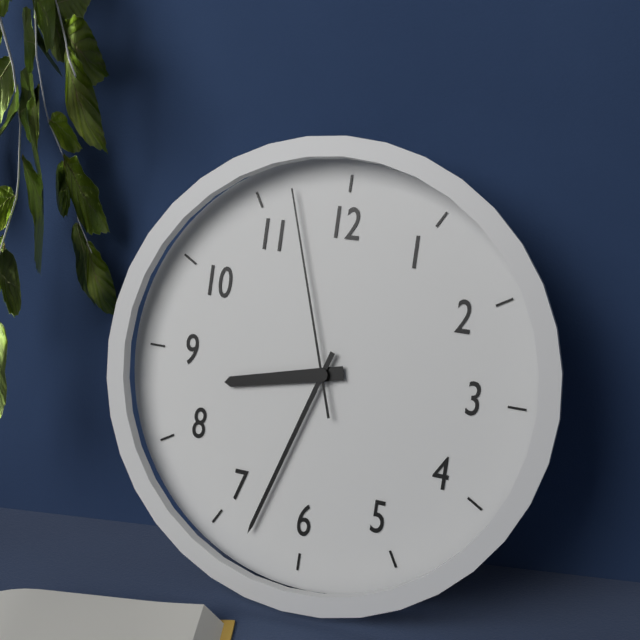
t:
8:33:57
